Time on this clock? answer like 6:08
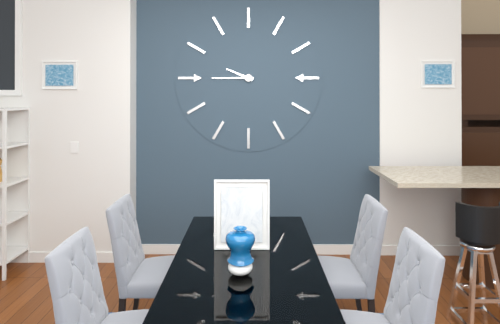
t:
9:45
